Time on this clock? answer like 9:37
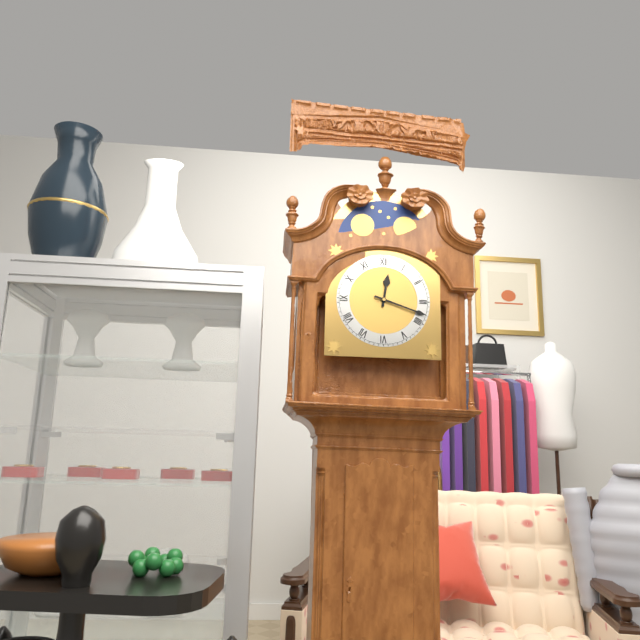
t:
12:18
